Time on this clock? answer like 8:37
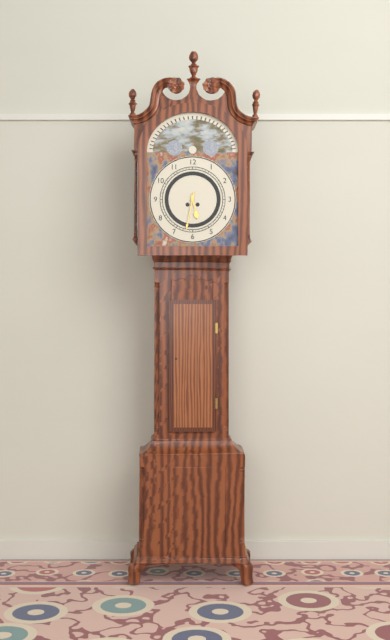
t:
5:32
